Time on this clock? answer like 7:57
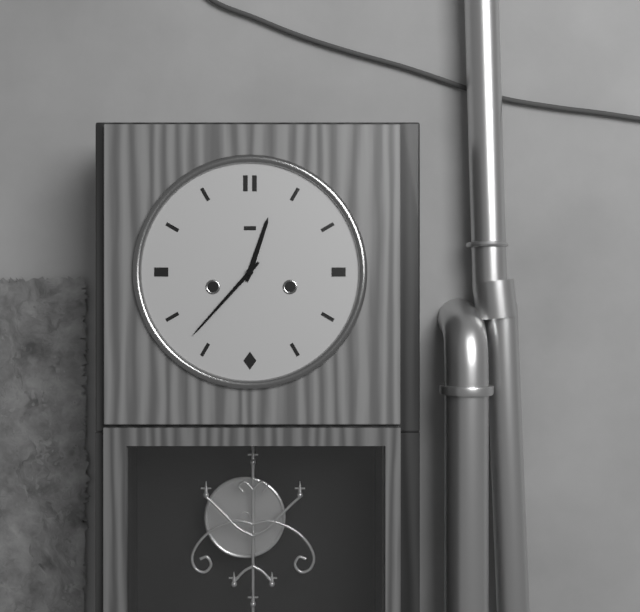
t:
12:37
